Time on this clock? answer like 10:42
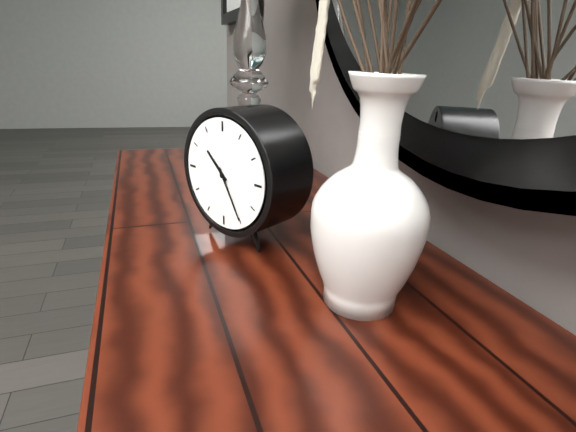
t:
10:25
